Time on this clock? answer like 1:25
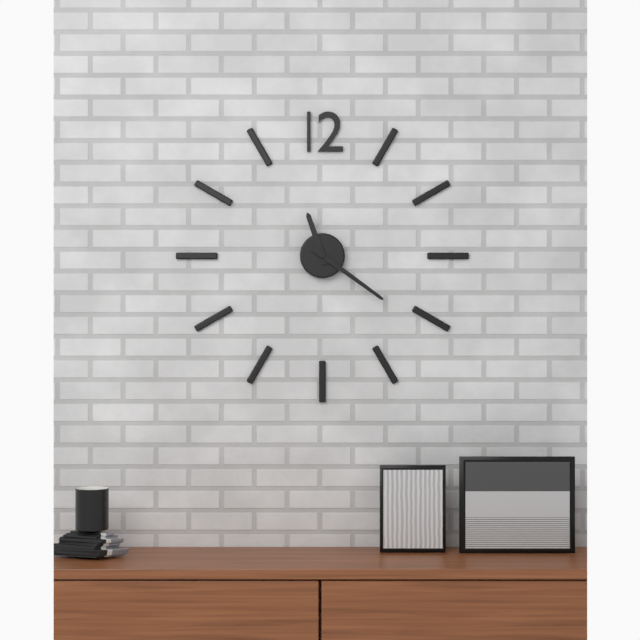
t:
11:21
